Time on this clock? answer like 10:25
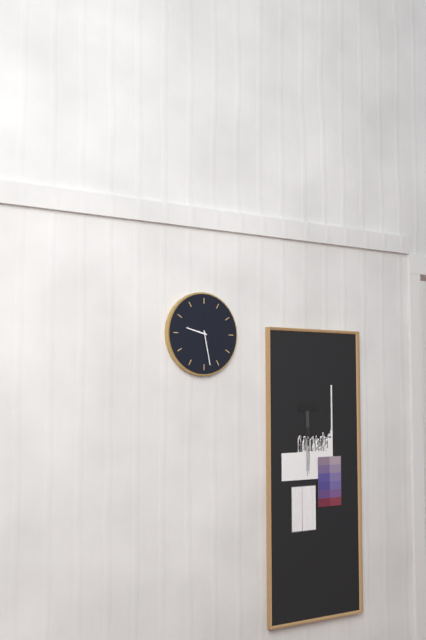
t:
9:28
